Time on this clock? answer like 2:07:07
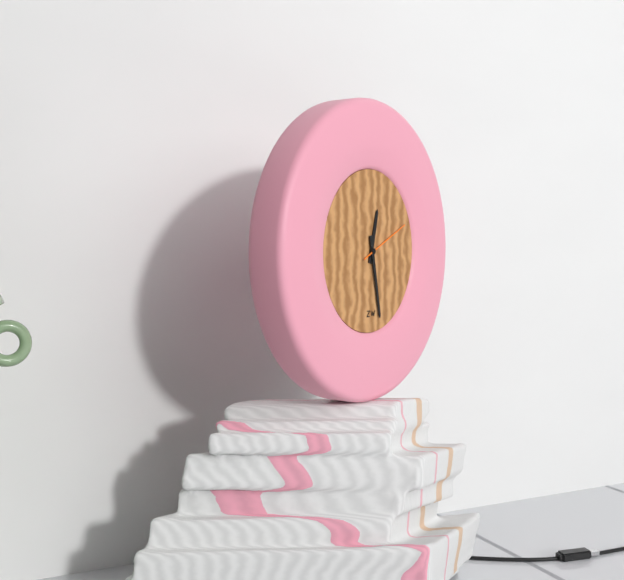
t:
12:28:11
